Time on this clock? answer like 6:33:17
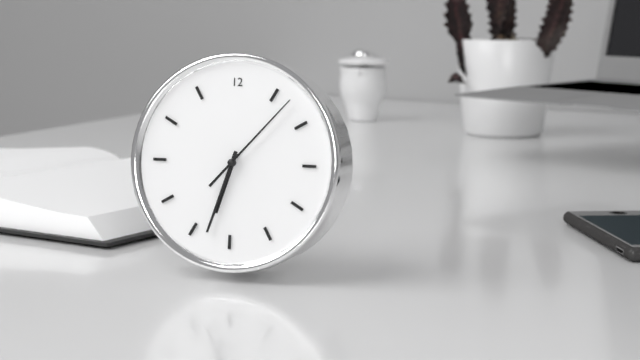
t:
6:33:07
